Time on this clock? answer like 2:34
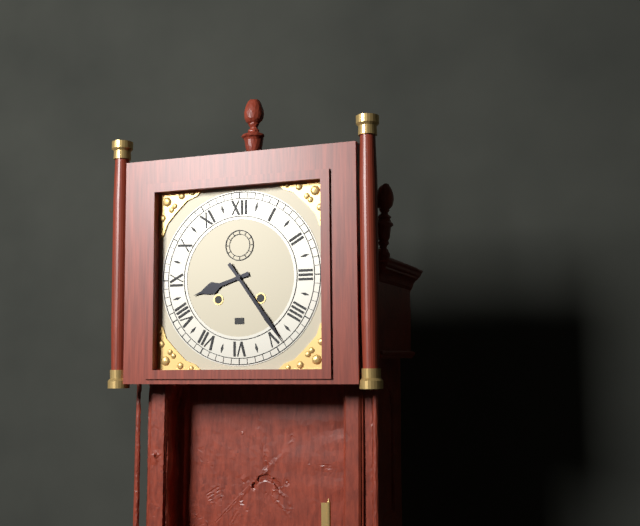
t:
8:24
